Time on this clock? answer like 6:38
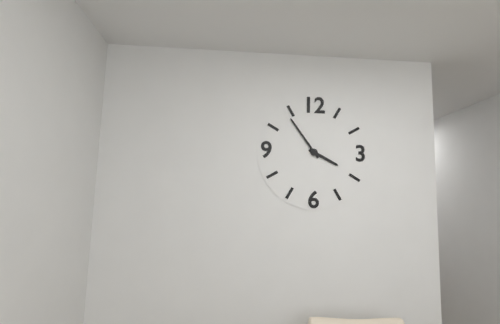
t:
3:54
